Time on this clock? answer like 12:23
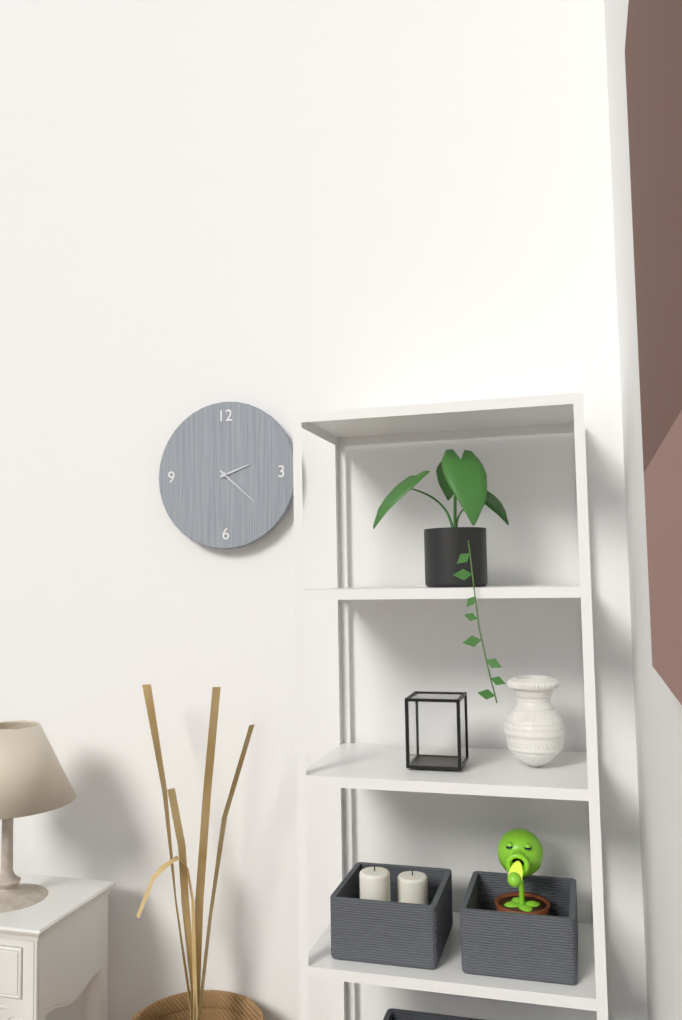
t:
2:22
